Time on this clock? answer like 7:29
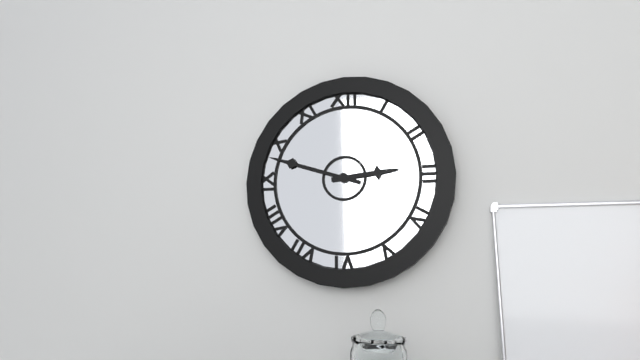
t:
2:48
